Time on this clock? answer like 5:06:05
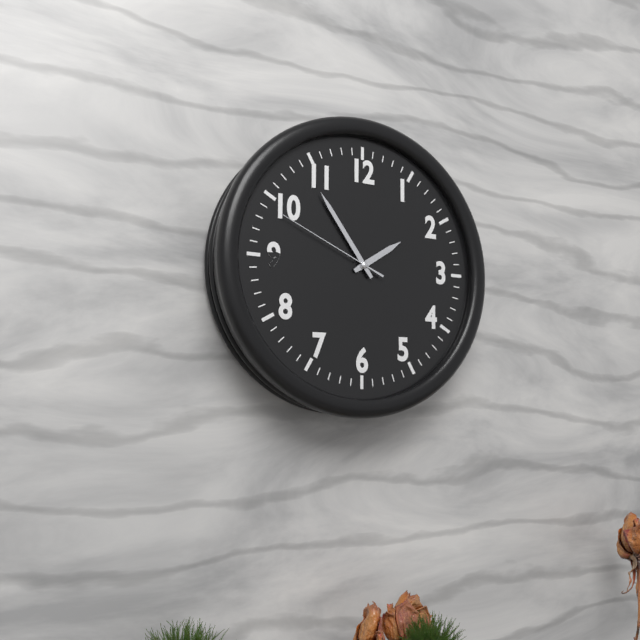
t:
1:54:49
